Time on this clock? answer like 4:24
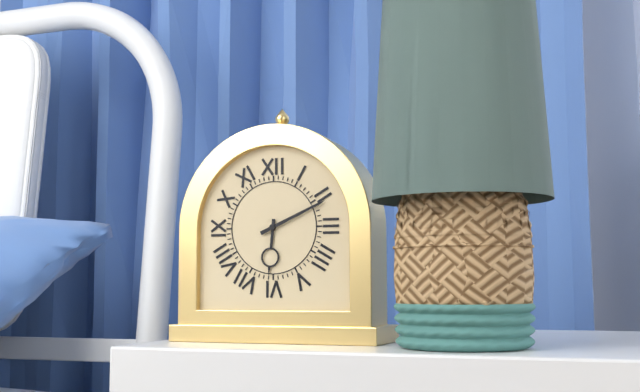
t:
6:11
